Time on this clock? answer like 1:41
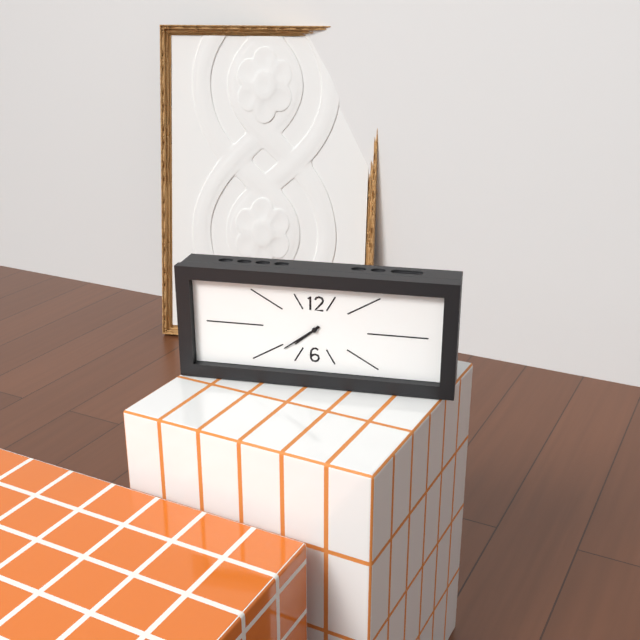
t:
7:39
